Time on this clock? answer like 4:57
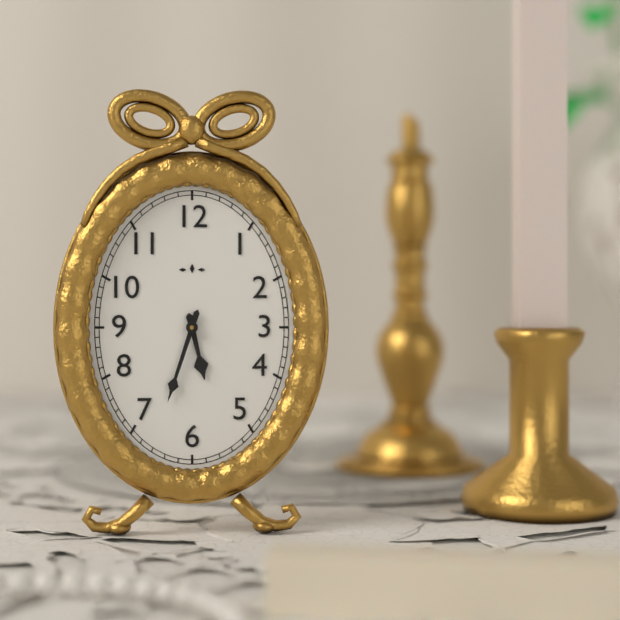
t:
5:33
